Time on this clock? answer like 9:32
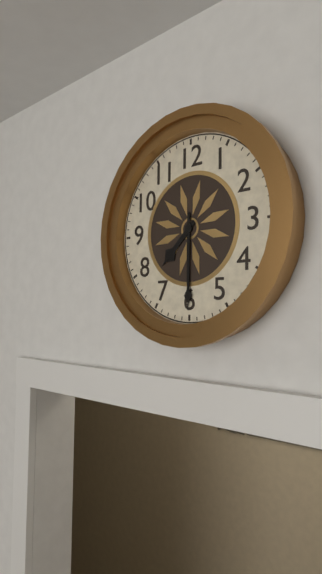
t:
7:30
